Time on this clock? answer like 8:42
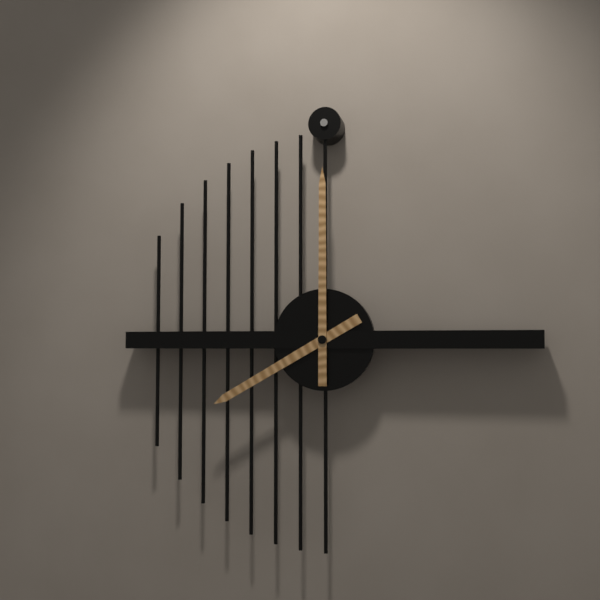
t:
8:00
